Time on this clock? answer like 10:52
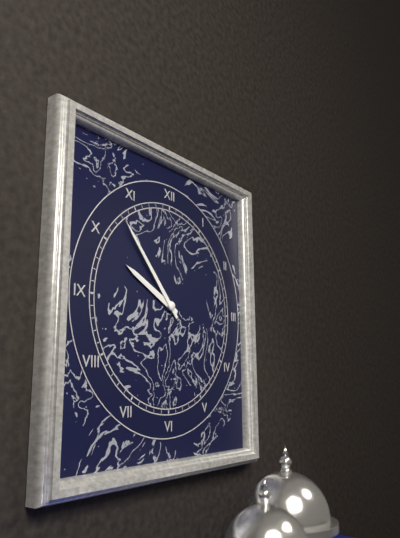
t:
9:53
